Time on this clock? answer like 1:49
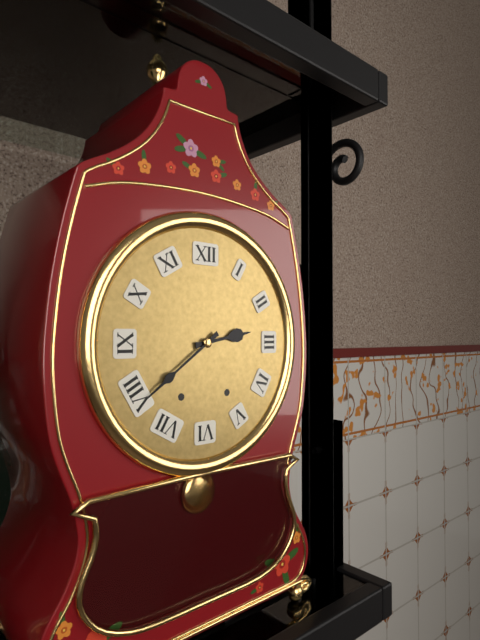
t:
2:39
